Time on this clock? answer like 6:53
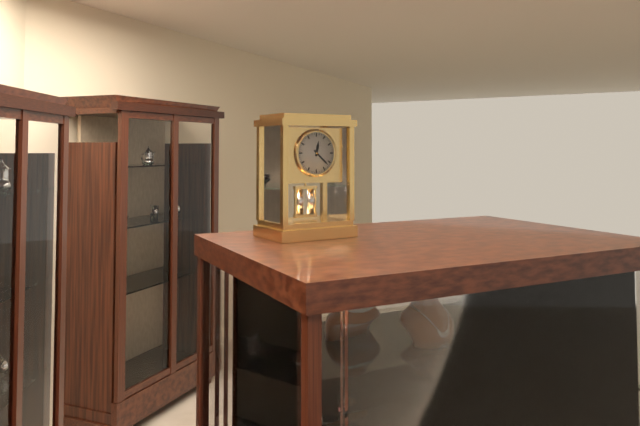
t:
12:22
